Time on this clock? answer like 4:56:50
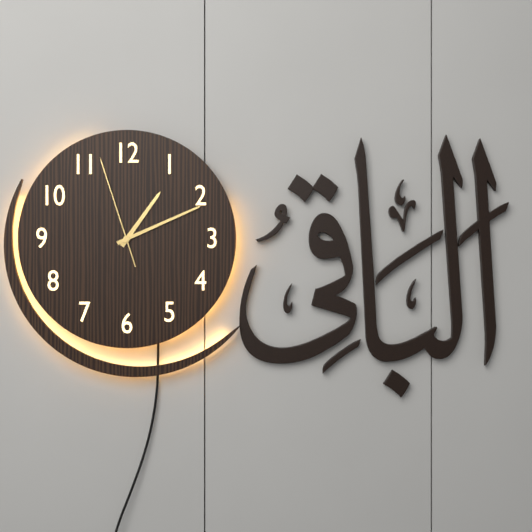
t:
1:11:57
